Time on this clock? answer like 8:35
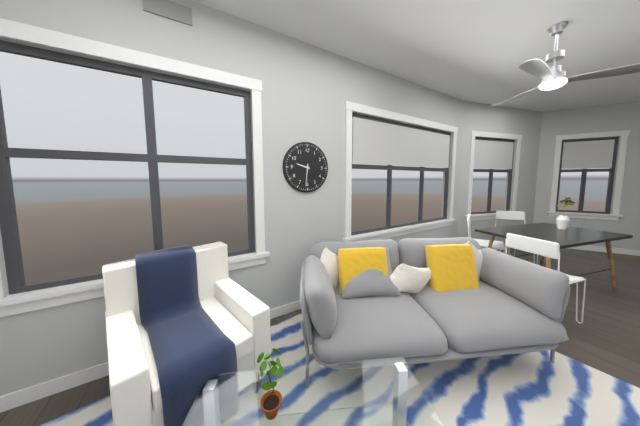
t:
9:31
